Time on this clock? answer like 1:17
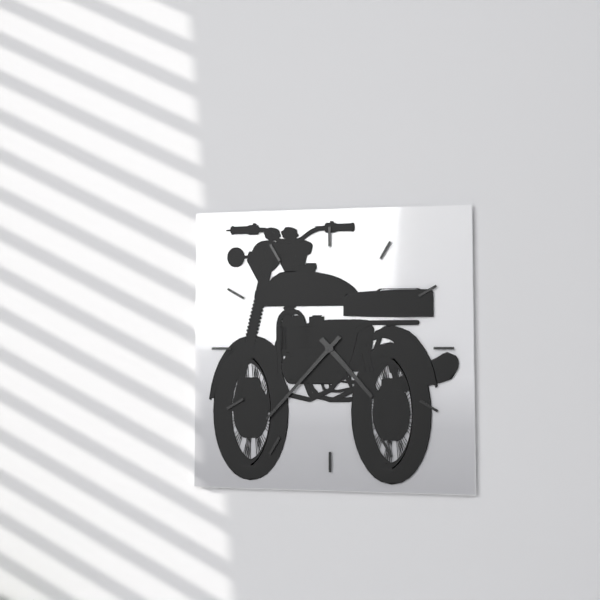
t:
4:37
